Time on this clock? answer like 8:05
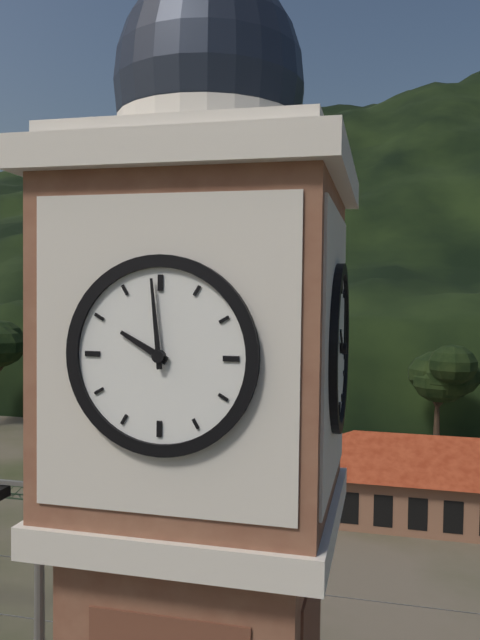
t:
9:59
